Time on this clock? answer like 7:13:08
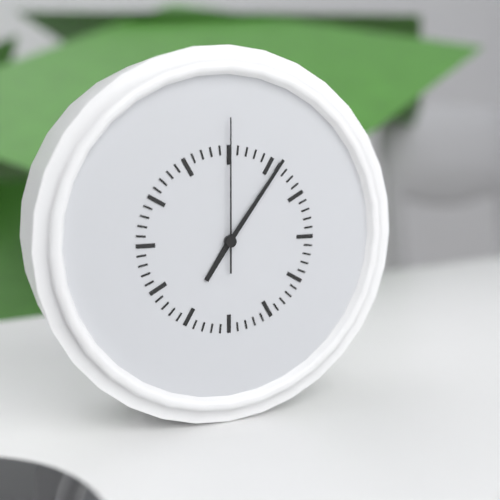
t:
7:06:00
